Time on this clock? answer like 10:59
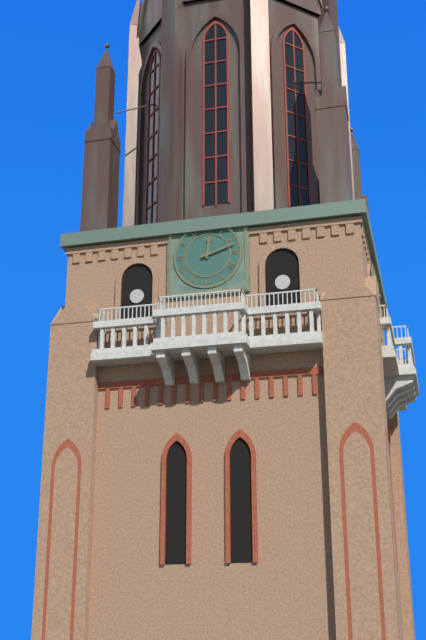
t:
12:12
